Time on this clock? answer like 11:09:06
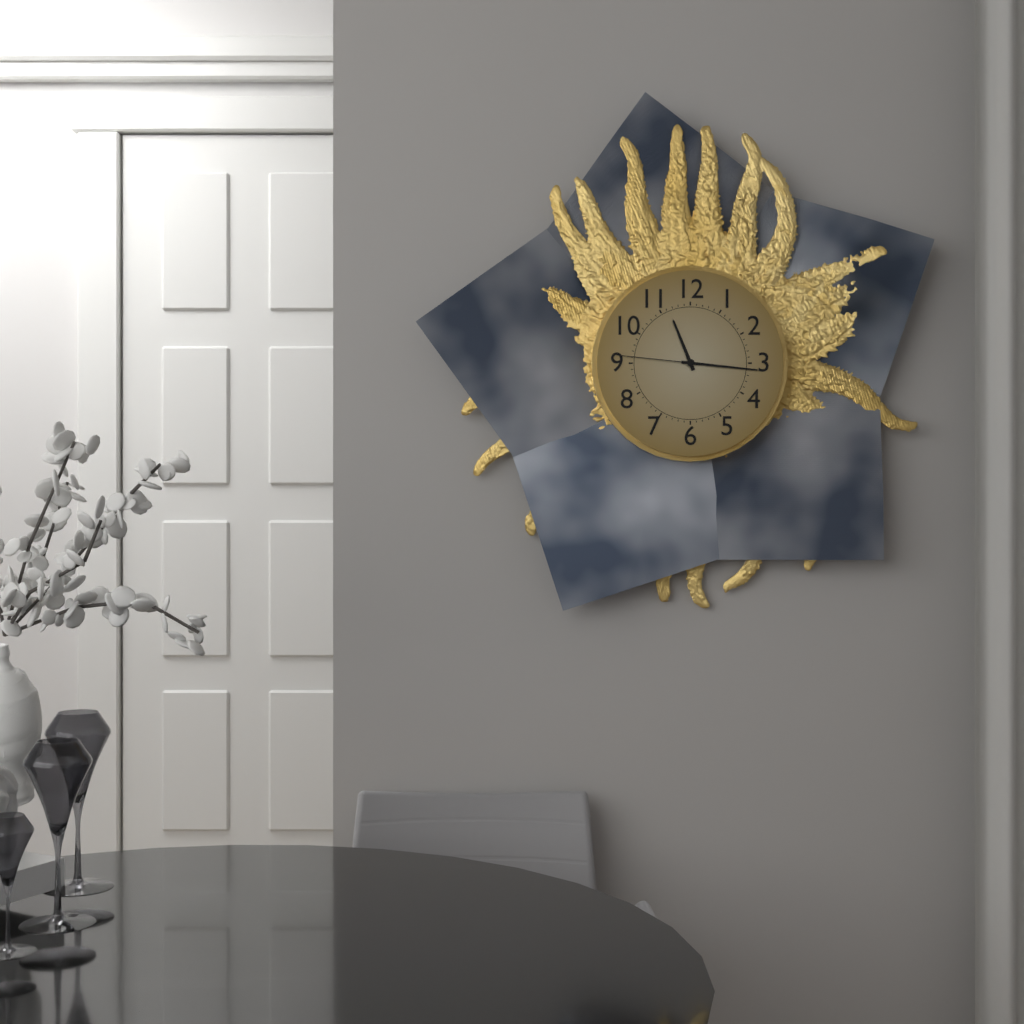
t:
11:16:46
